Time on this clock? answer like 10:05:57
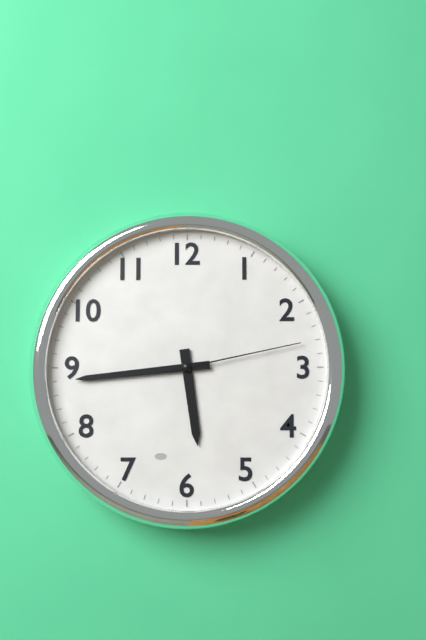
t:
5:44:13
